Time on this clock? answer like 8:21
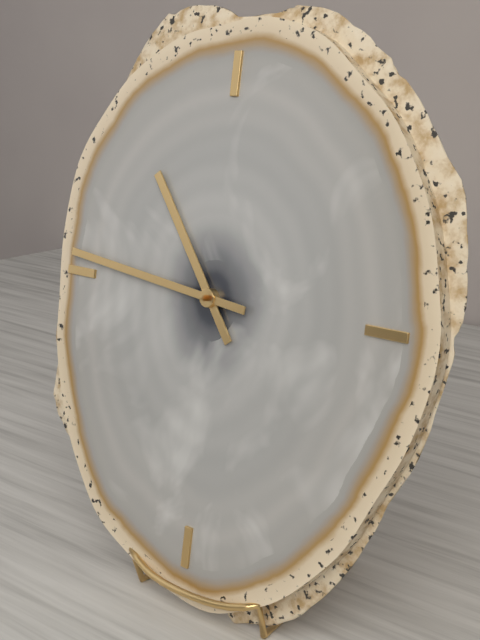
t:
10:46
